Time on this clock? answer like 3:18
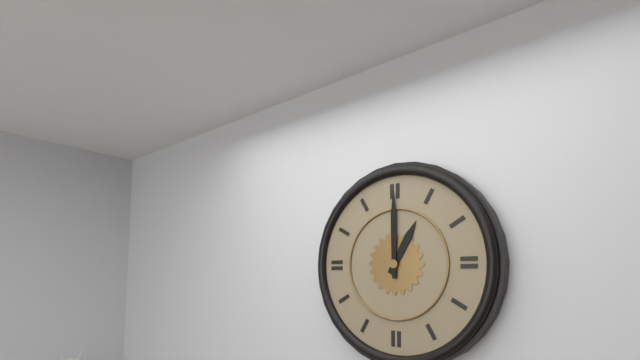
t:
1:00
